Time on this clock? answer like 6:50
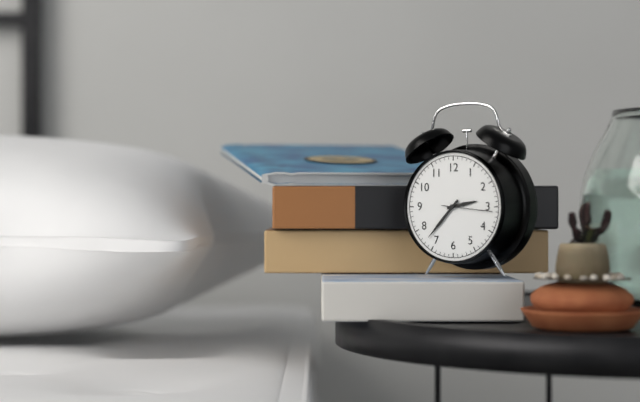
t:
2:37
